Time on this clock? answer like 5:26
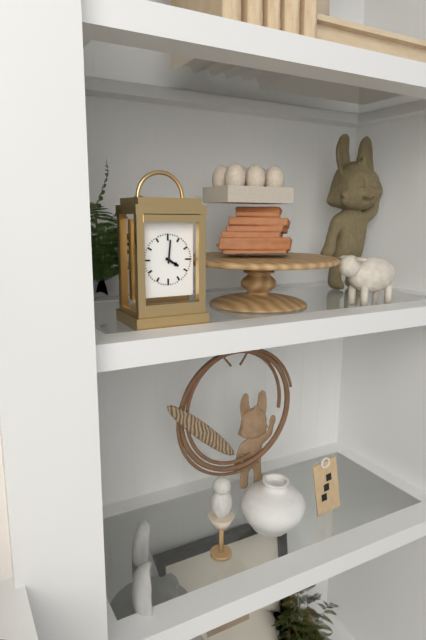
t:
4:01
